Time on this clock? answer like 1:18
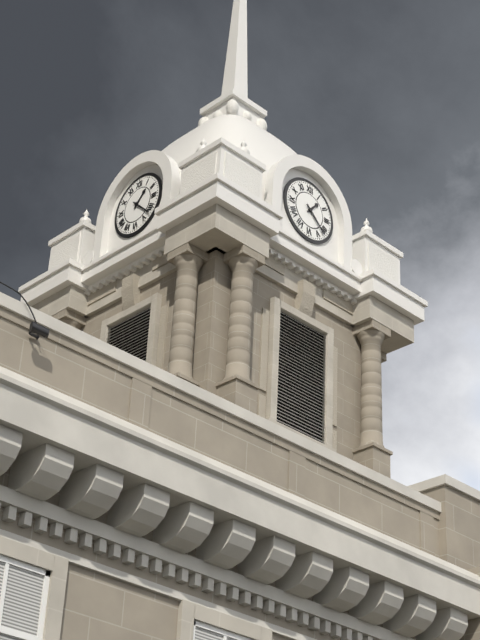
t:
1:22
